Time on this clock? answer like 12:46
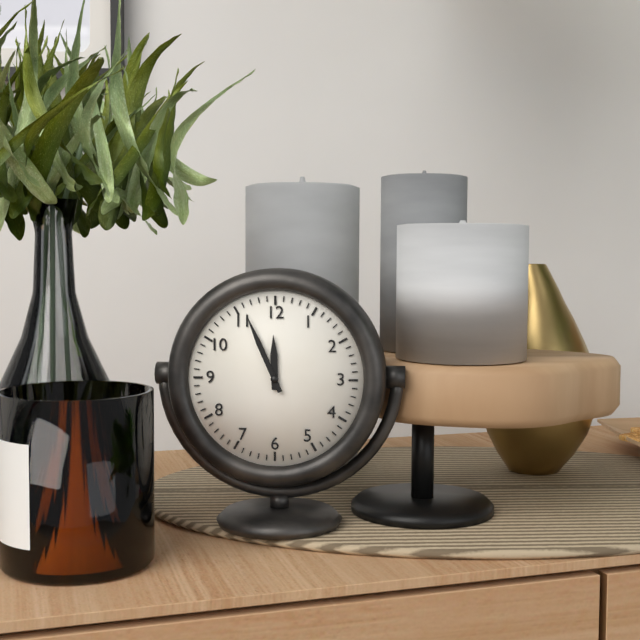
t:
11:56
